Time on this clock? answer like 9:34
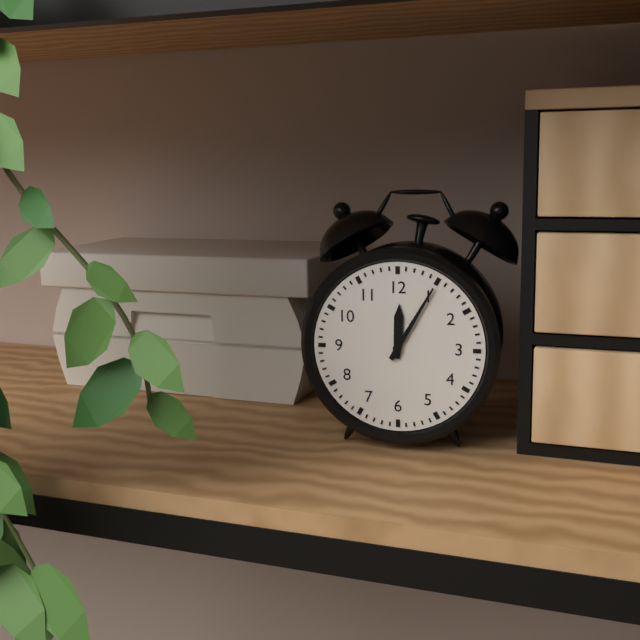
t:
12:05
